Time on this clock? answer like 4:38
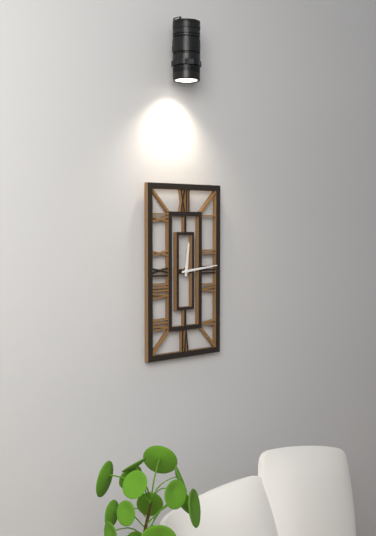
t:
12:14
